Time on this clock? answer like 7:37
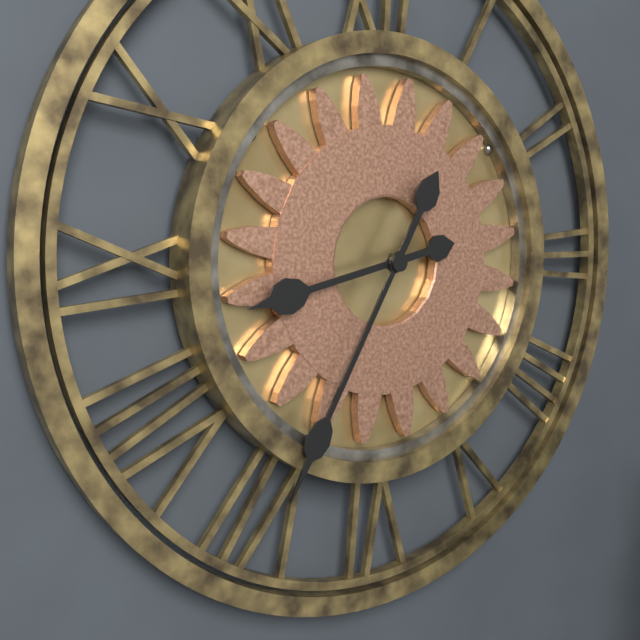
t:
8:35
